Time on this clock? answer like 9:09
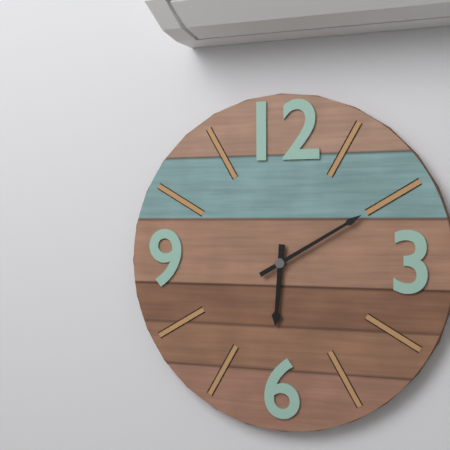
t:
6:10
